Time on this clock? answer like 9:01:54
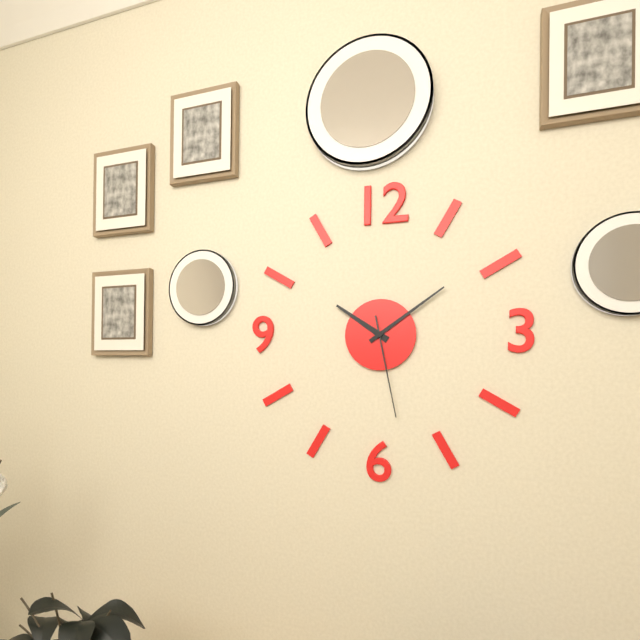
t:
10:09:28
